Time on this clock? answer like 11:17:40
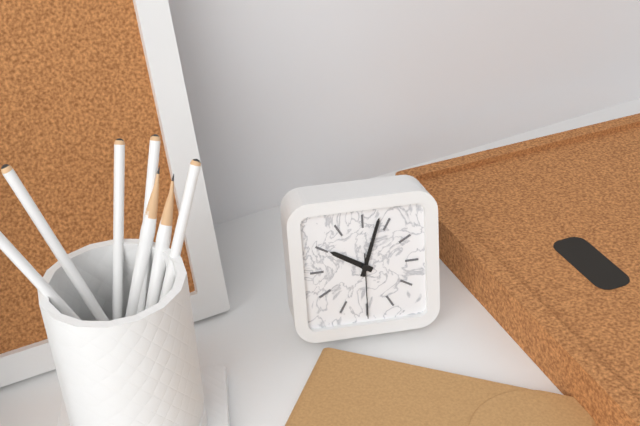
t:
10:03:30
